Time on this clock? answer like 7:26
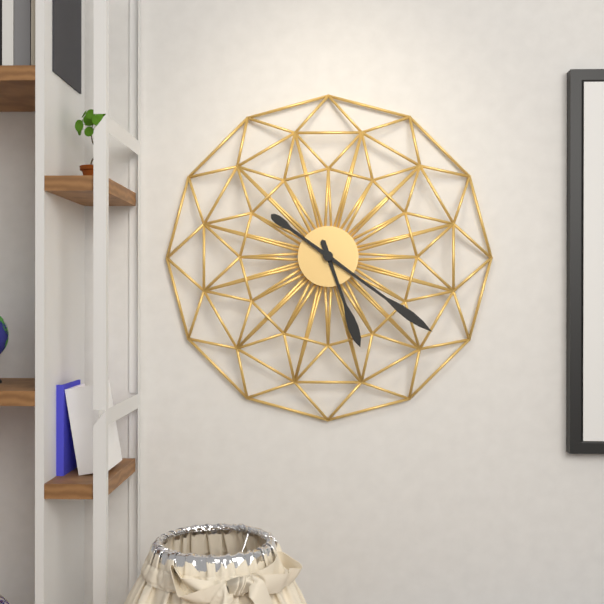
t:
5:21
